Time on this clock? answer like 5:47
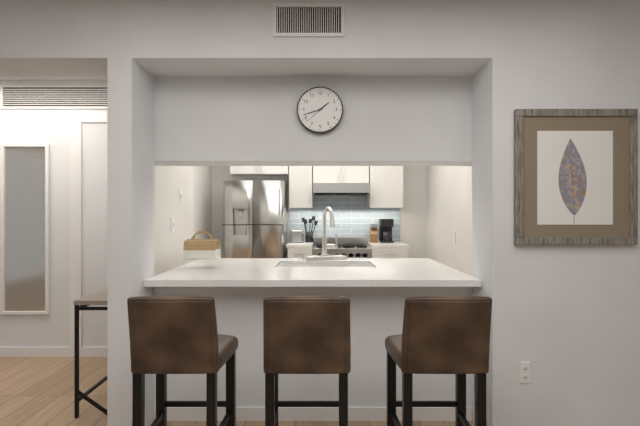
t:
1:42
